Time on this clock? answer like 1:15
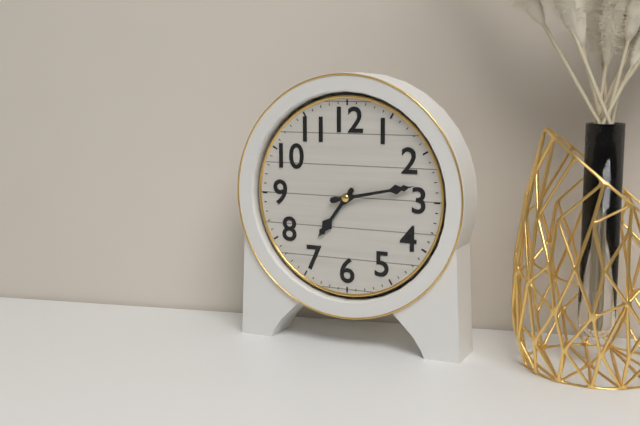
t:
7:13
